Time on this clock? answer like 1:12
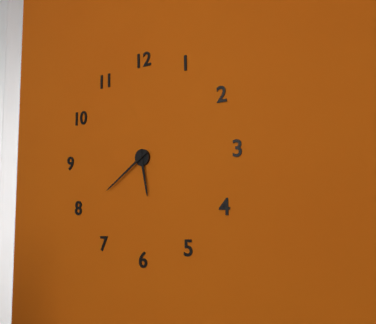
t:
5:39
